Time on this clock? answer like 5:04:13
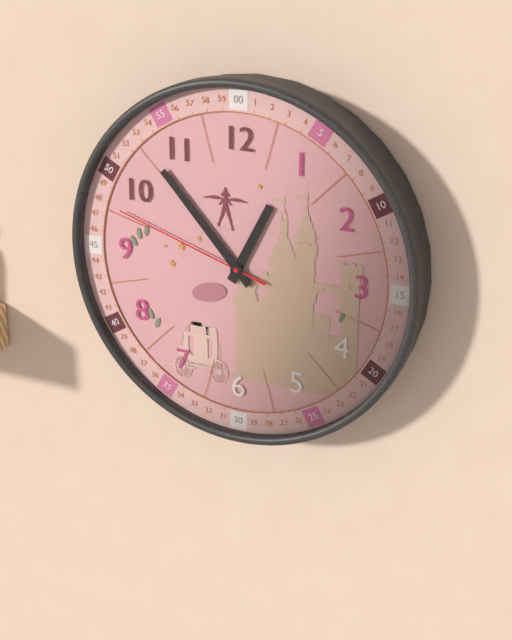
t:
12:53:48
